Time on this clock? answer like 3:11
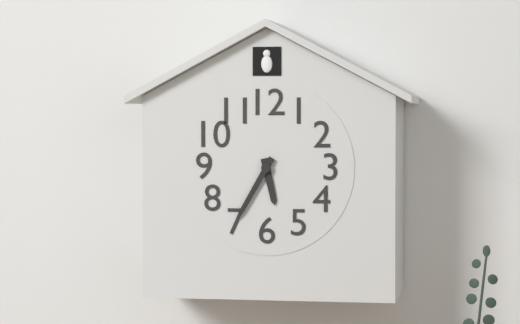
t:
5:35
